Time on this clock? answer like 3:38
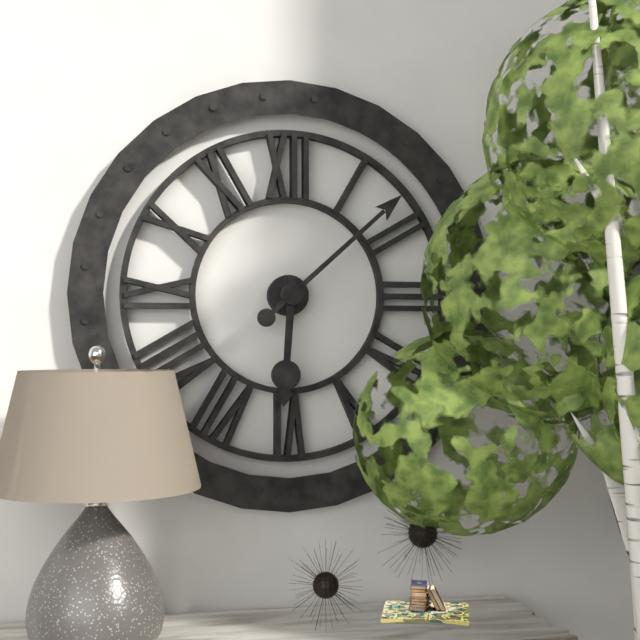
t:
6:08
